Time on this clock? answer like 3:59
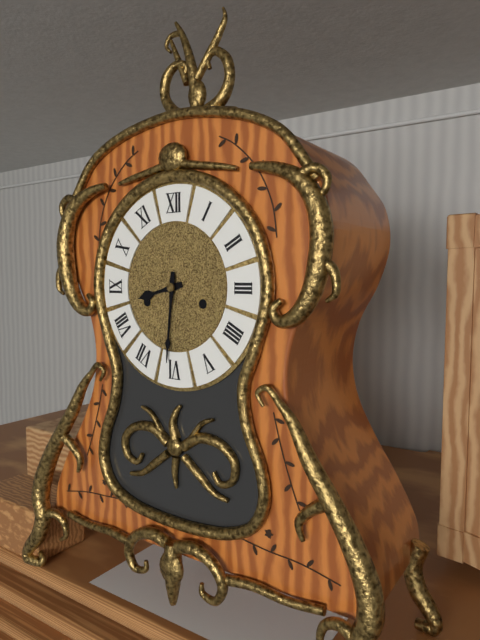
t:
8:31
